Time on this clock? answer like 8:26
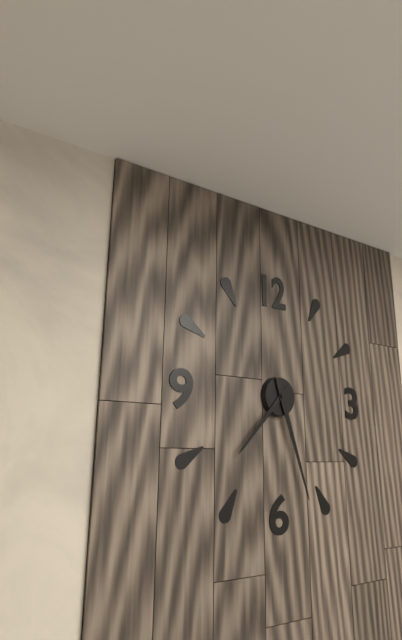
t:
7:27
